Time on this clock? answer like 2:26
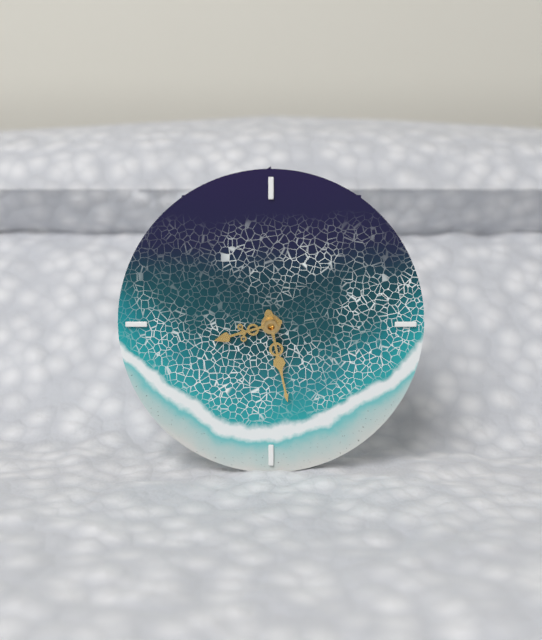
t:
8:28
